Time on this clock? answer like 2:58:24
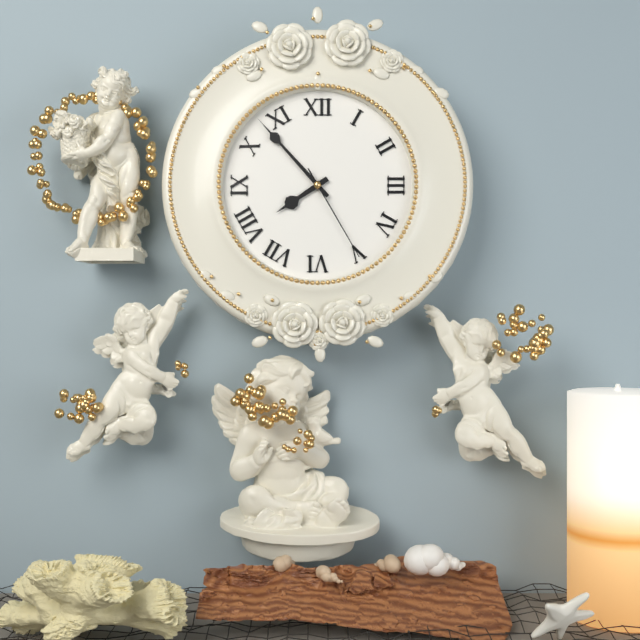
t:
7:53:25
